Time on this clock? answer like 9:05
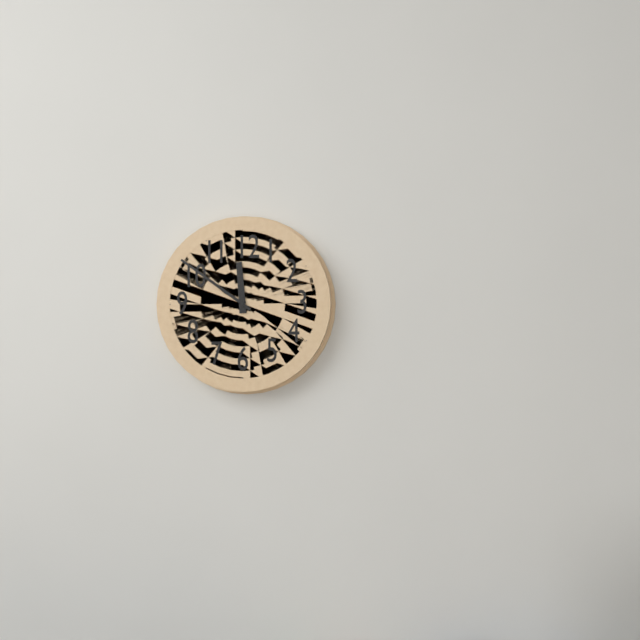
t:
11:51
